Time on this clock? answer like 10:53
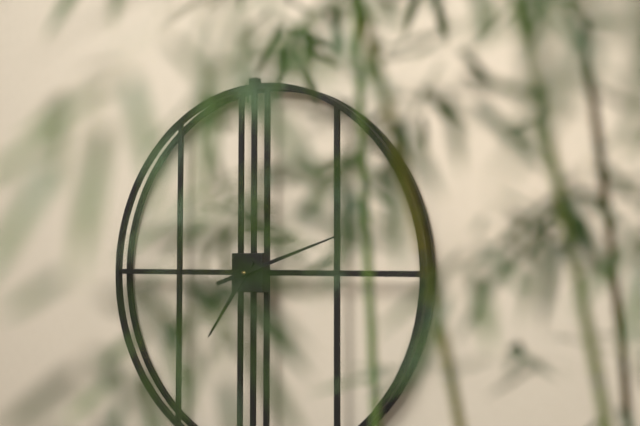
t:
7:12
